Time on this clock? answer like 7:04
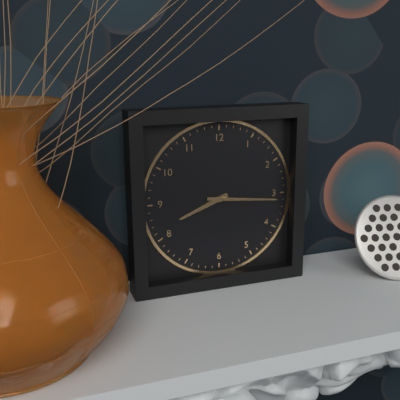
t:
8:16
